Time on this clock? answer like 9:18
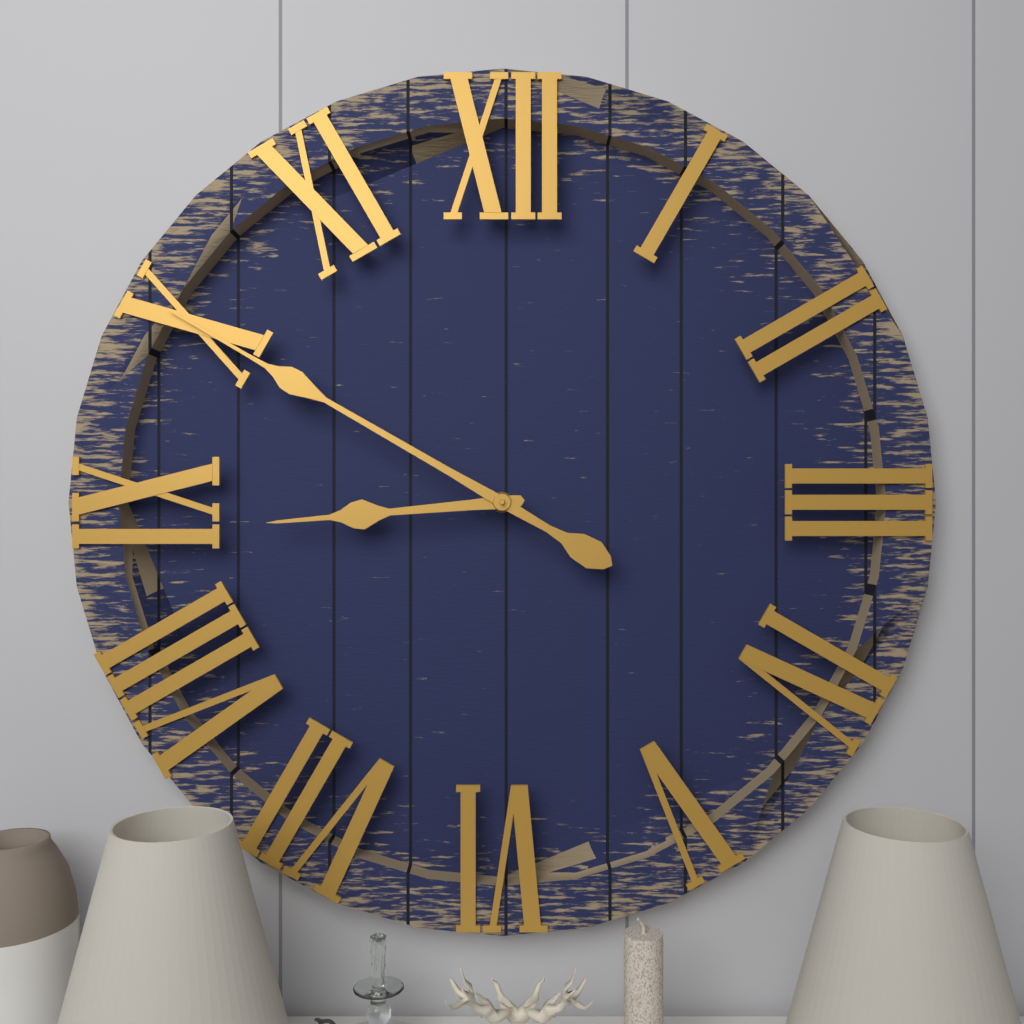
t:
8:50
